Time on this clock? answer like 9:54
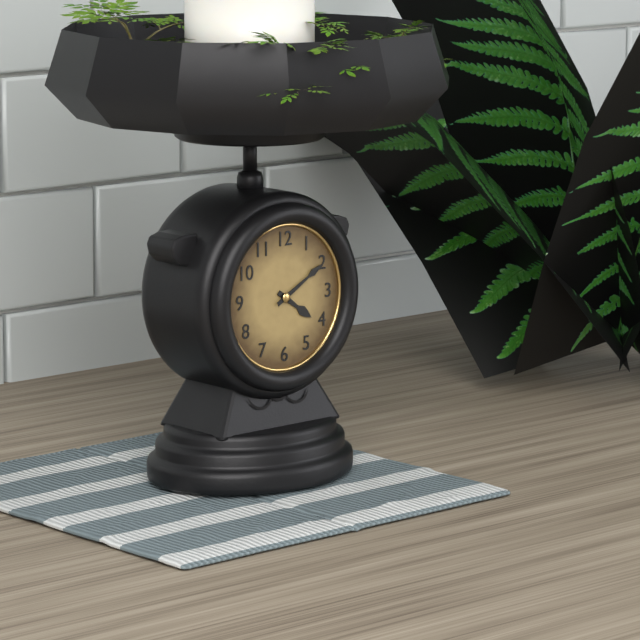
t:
4:10
